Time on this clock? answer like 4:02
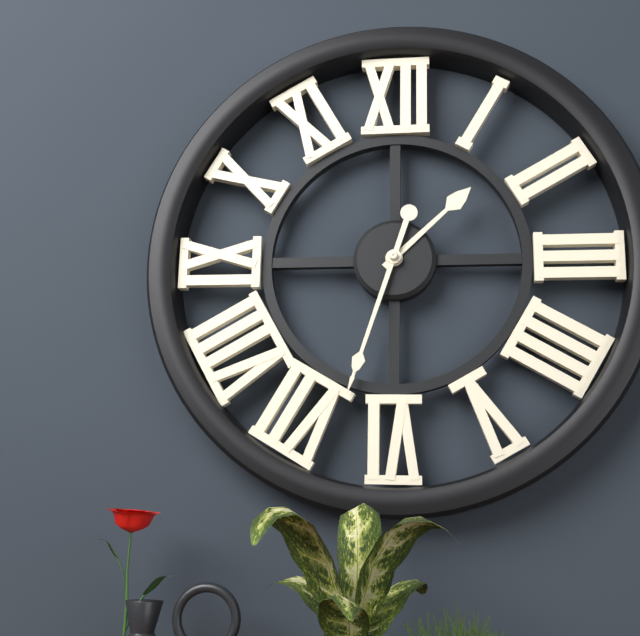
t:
1:33
